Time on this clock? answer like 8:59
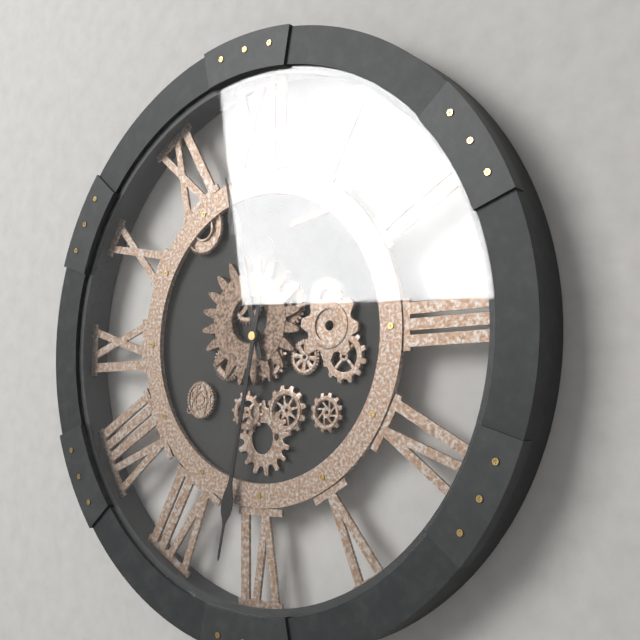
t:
11:32
